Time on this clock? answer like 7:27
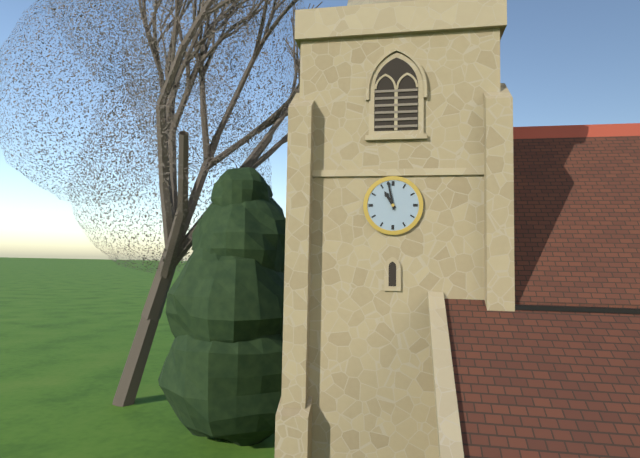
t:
10:58
